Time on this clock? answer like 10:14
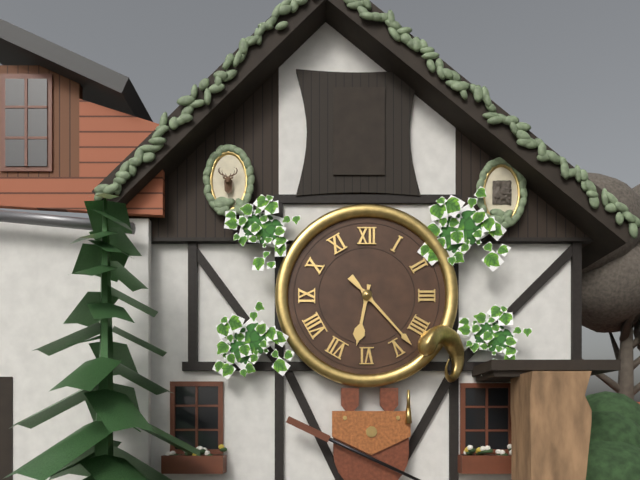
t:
6:23
